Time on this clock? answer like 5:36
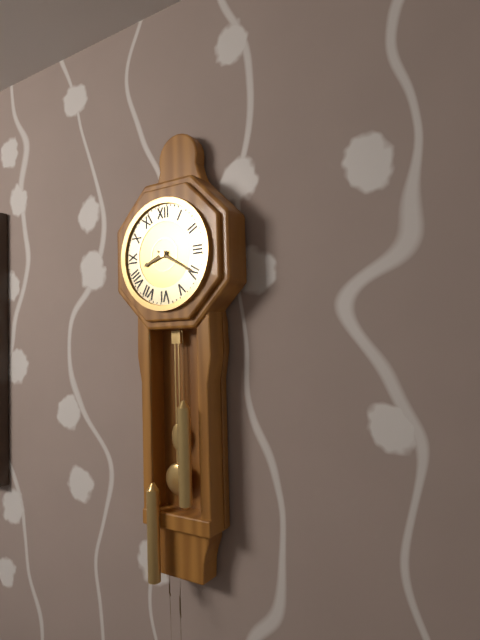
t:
8:20
